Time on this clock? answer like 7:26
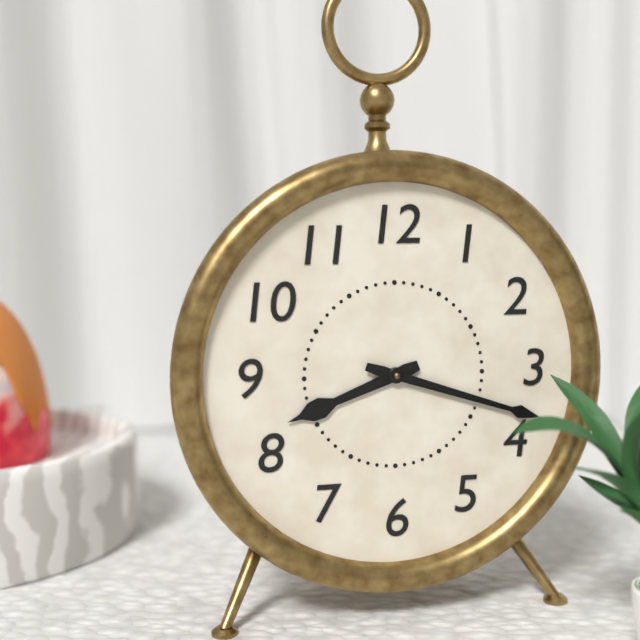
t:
8:18
